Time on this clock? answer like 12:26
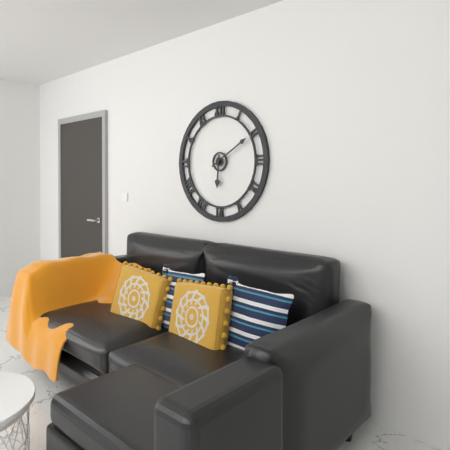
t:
6:10
